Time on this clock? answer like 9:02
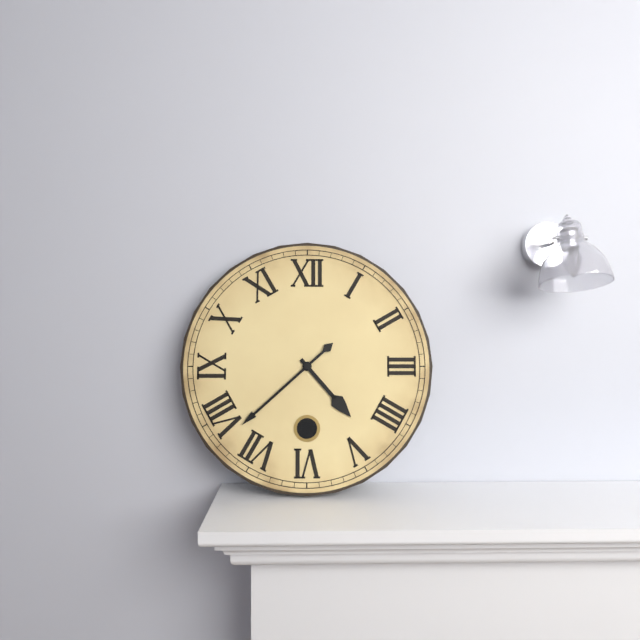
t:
4:38
